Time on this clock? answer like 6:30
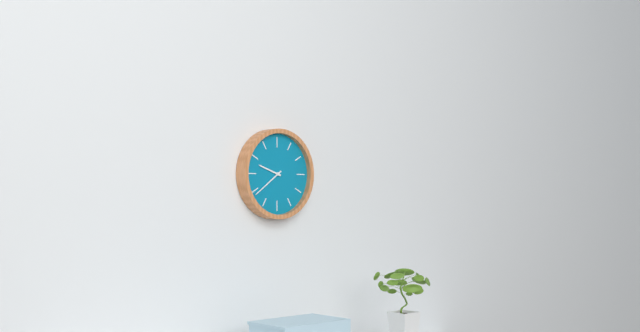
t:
9:39
